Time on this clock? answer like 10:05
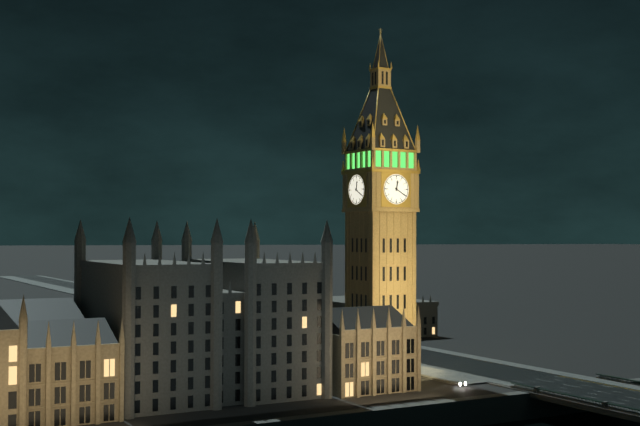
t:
12:20
